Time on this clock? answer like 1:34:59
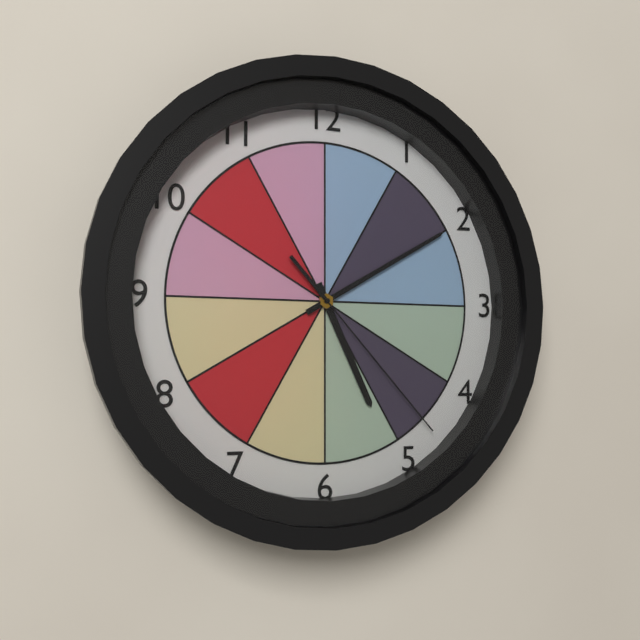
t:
5:10:23
